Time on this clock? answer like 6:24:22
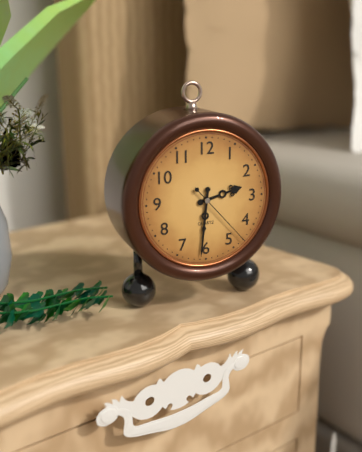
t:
2:31:23
